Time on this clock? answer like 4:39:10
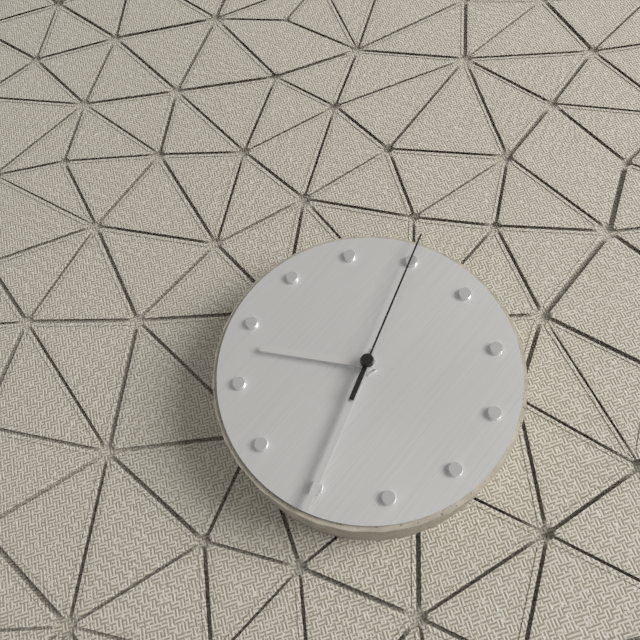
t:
9:35:05
